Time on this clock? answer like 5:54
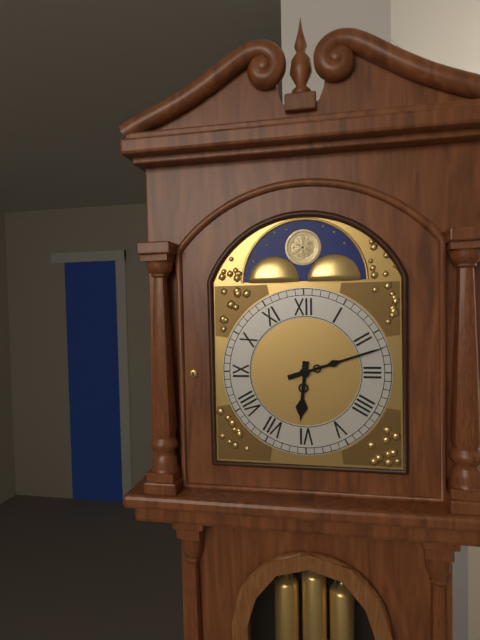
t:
6:12
